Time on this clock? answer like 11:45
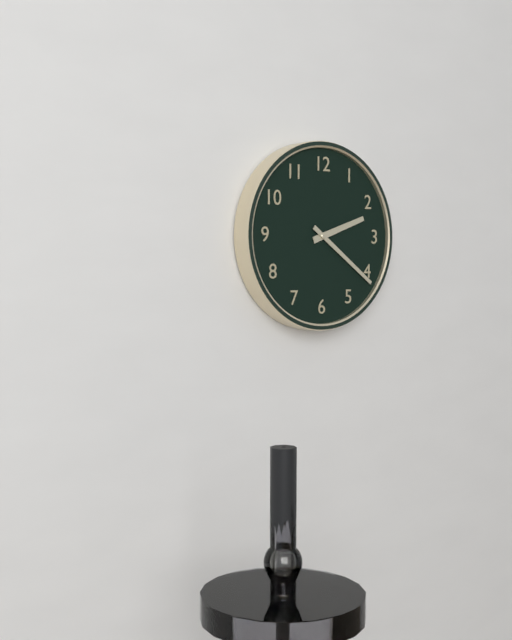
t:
2:21
